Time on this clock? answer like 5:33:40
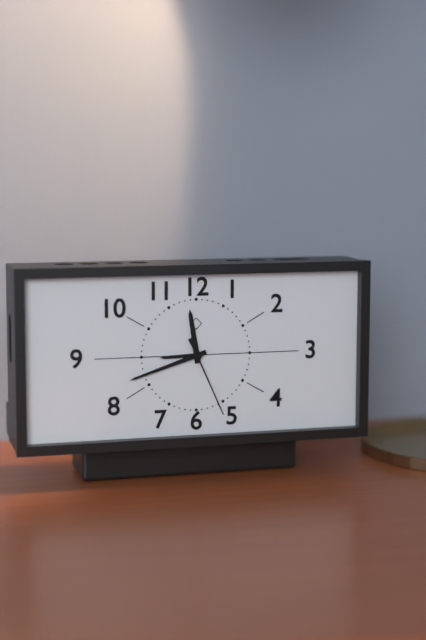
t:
11:42:26
